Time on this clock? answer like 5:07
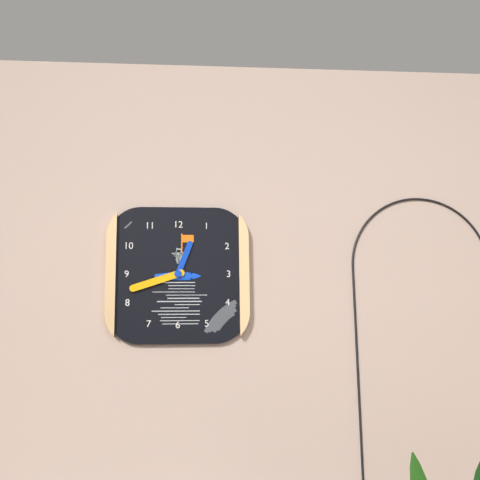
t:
12:42
